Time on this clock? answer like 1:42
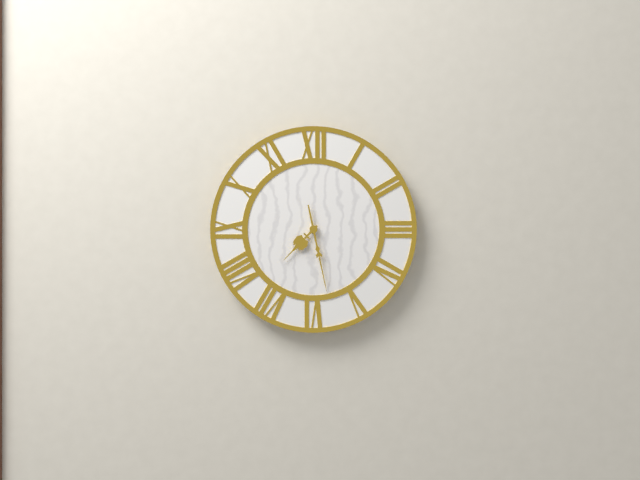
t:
7:28
